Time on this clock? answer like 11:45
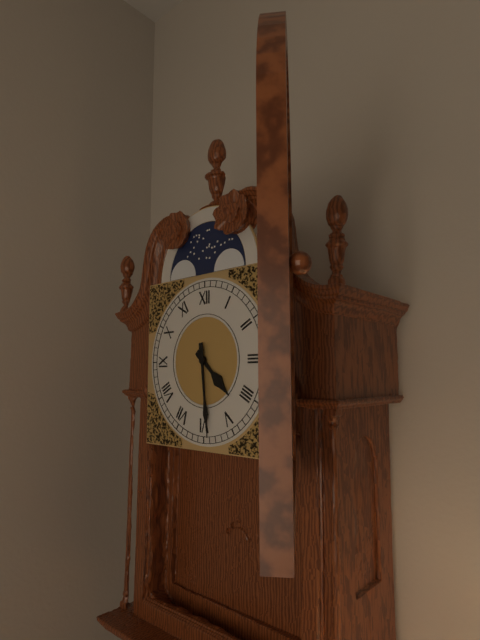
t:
4:29
